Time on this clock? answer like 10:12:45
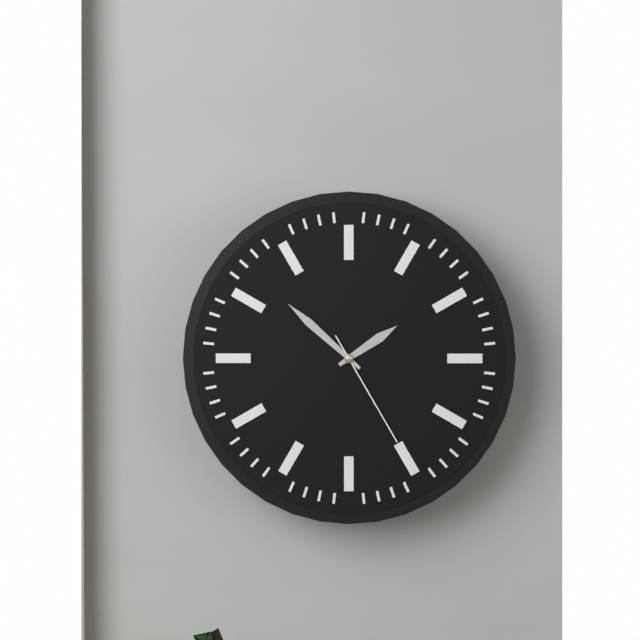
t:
1:52:25
